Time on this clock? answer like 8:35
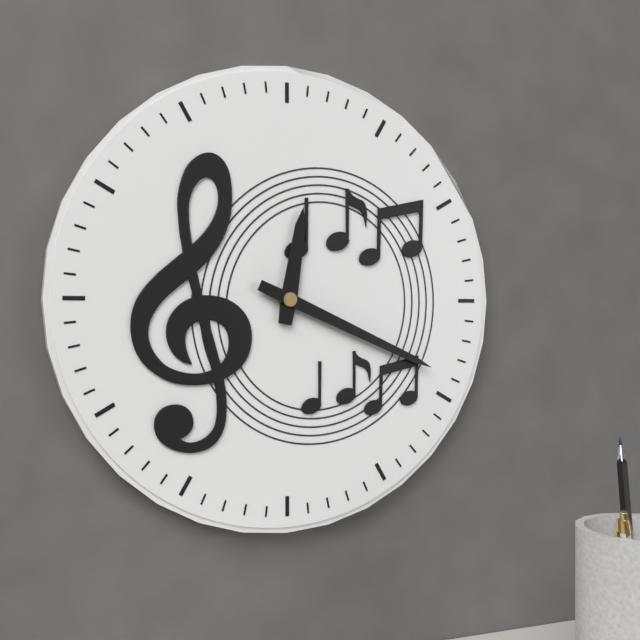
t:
12:19
